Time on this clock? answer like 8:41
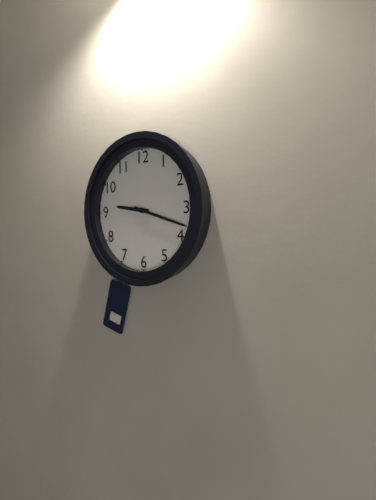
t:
9:18
